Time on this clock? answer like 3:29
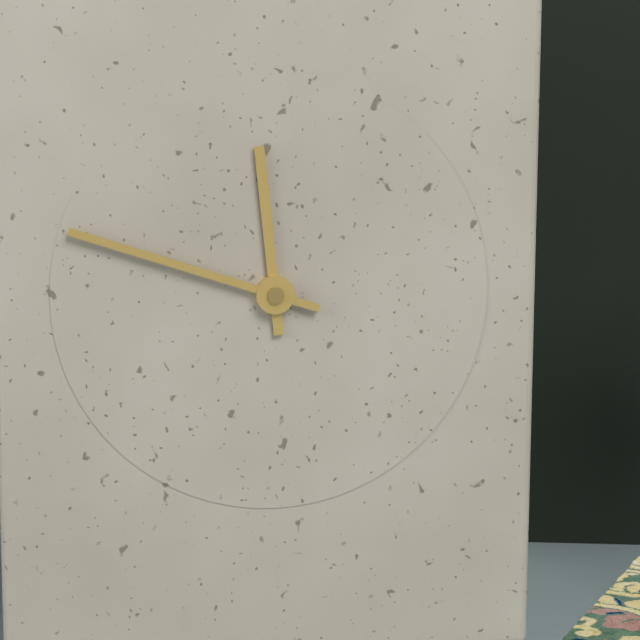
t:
11:48
